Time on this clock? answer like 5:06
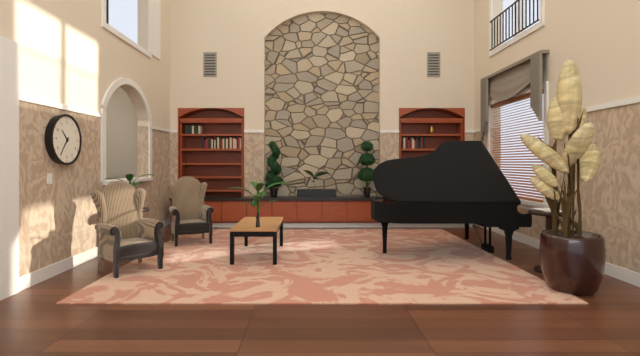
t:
10:36
